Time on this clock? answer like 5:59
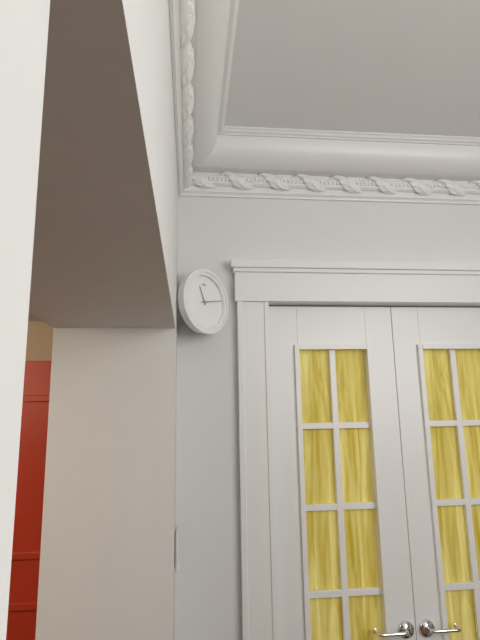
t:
11:13
